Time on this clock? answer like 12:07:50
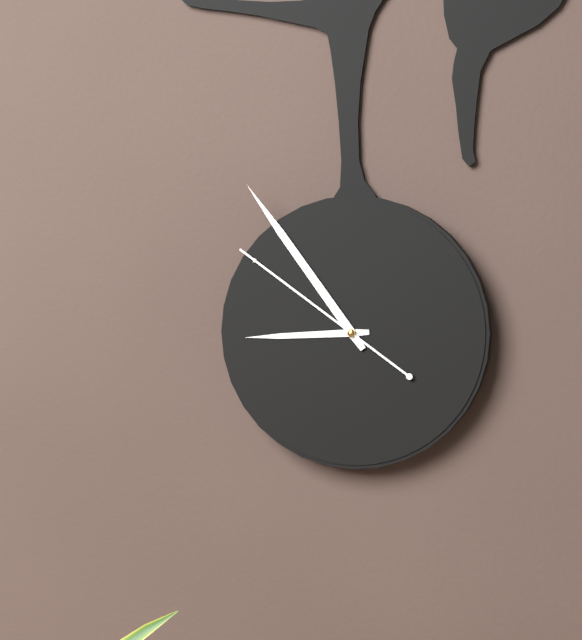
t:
8:54:51
